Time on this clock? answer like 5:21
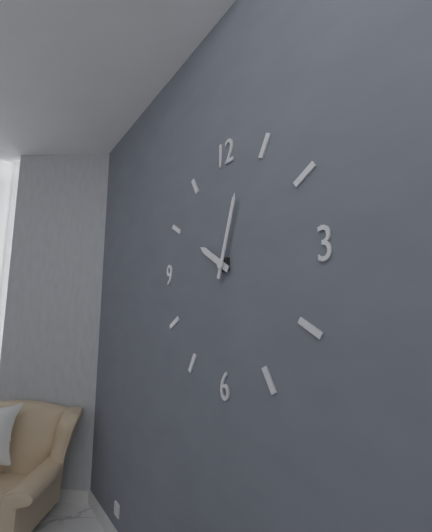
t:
10:03
